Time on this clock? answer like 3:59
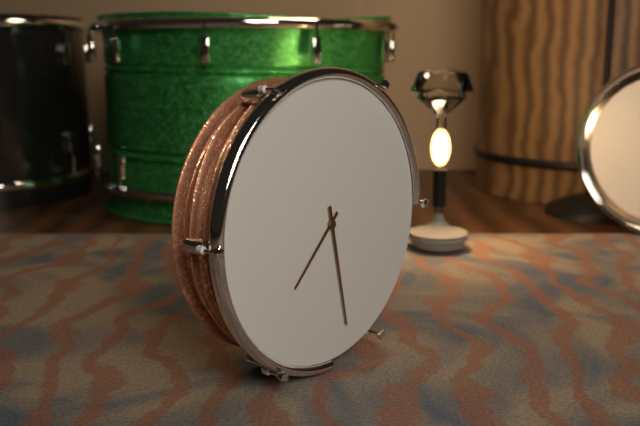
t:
7:28
